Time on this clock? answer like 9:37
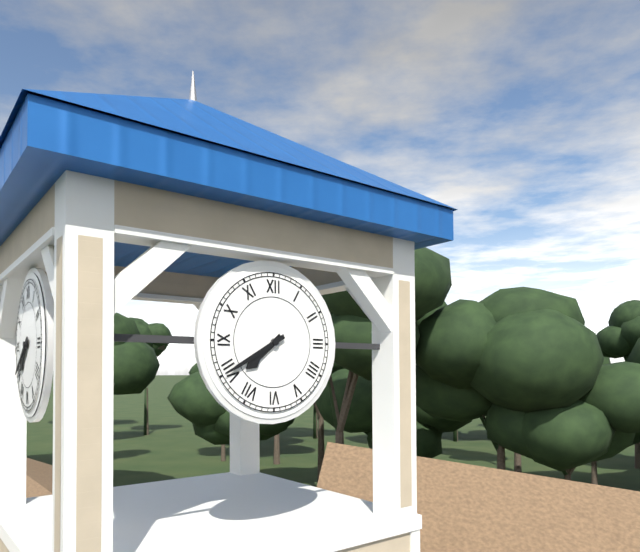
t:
7:40
